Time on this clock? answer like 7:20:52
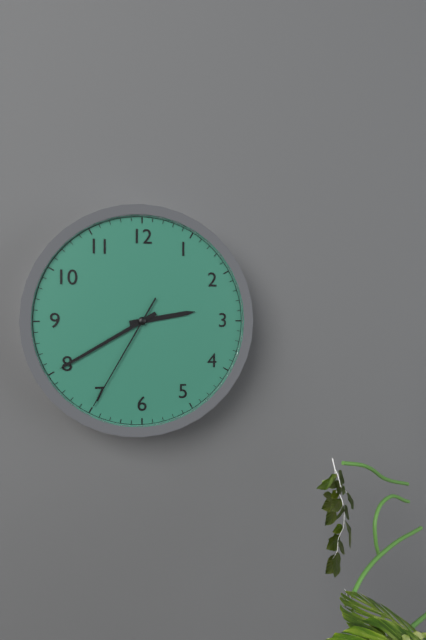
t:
2:40:35
